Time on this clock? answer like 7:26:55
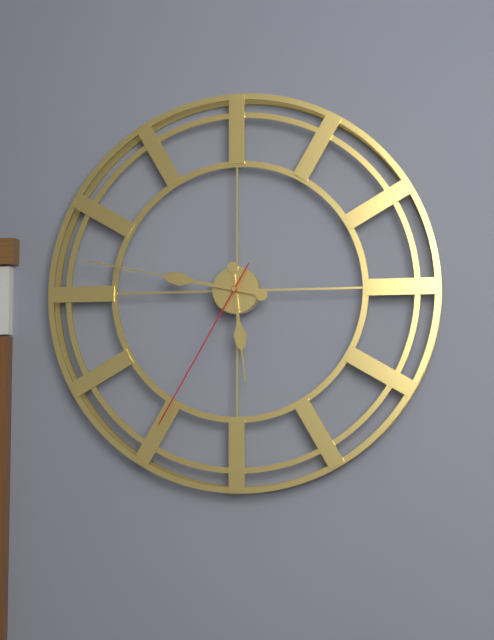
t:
5:47:35
